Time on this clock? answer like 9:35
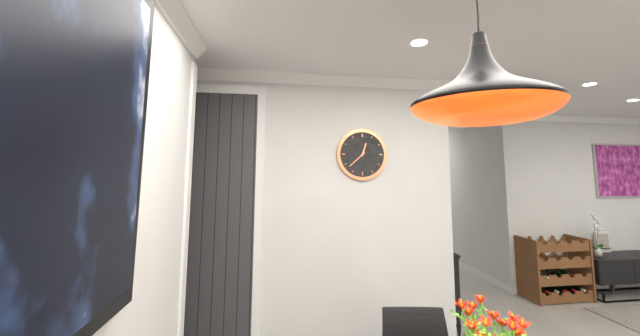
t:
12:38
